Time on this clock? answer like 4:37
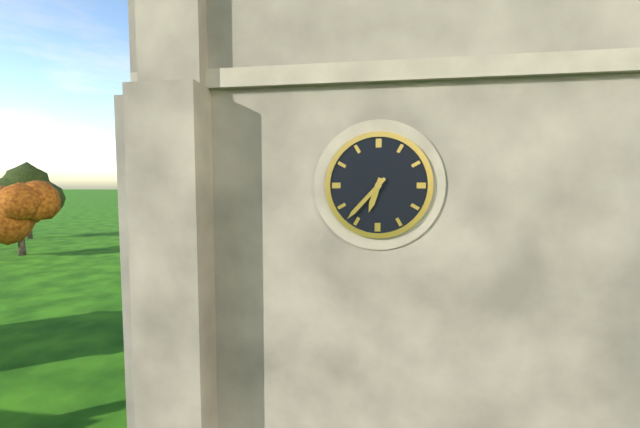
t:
6:37
